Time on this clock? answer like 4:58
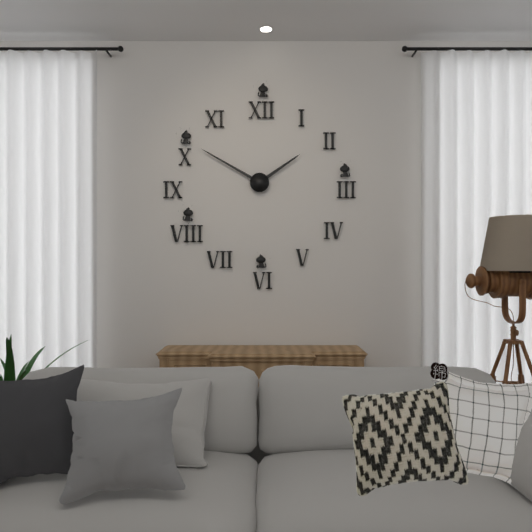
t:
1:50
